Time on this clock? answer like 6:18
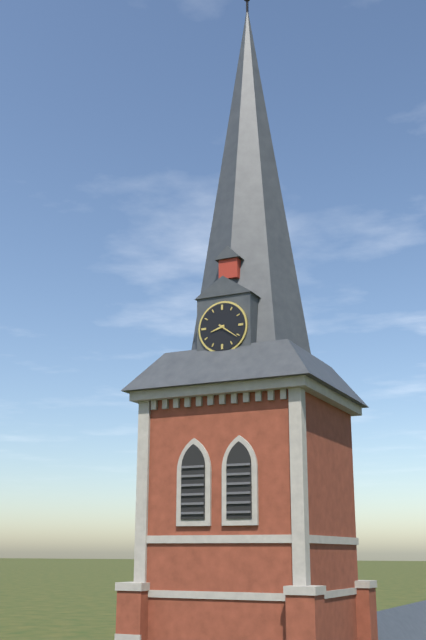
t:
8:21
